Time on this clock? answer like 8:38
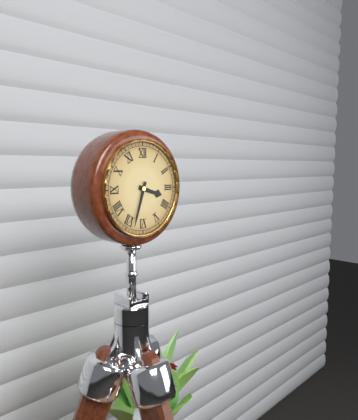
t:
3:33
